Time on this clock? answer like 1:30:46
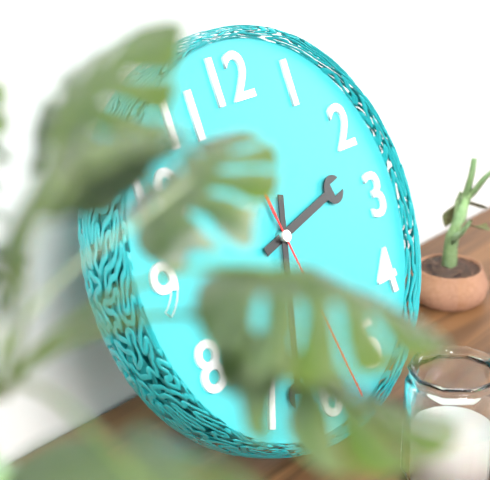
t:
2:33:28
